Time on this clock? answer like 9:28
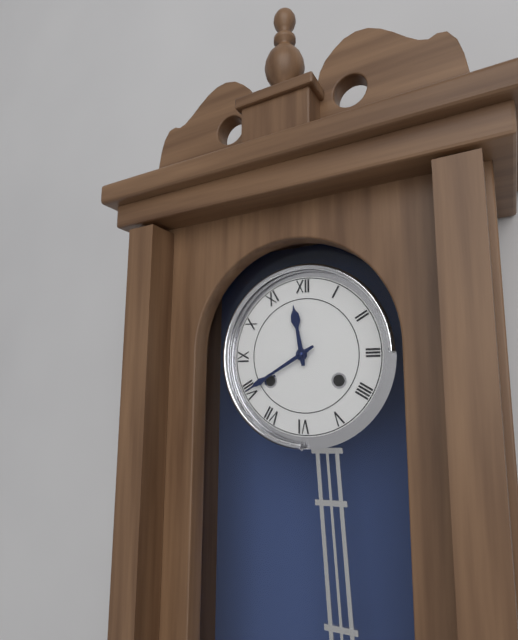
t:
11:40
